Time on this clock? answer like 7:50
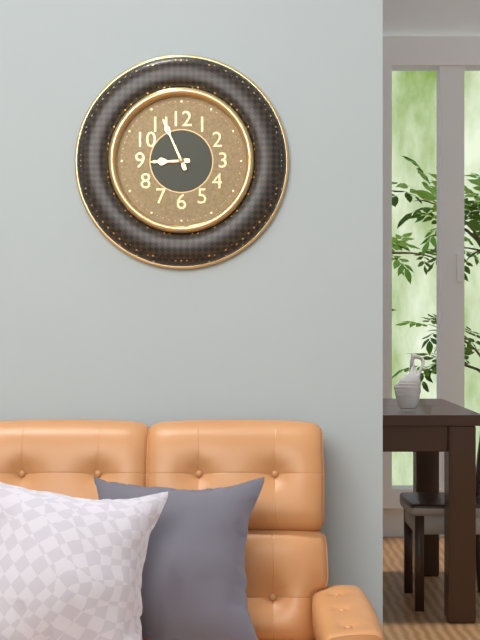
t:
8:56
